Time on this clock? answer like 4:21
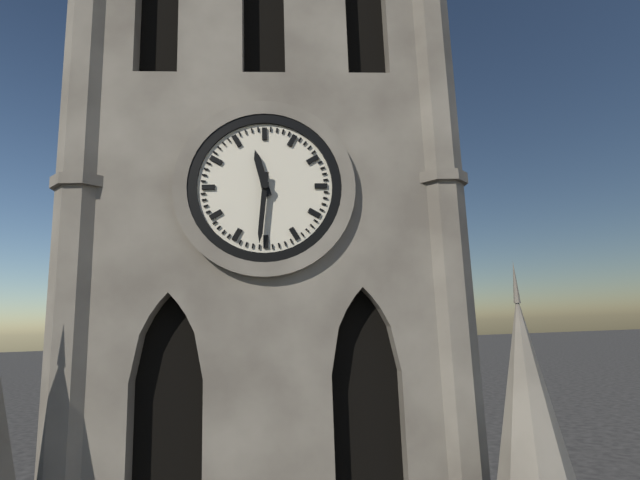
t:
11:31
